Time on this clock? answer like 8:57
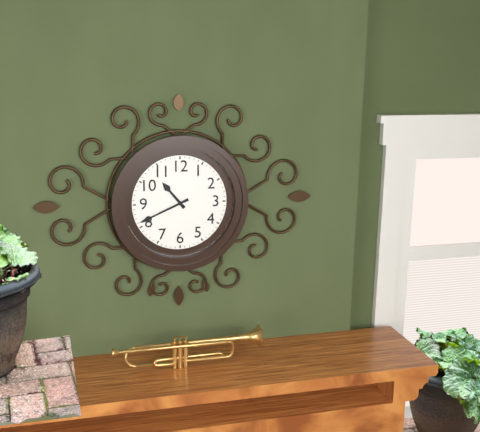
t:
10:41
